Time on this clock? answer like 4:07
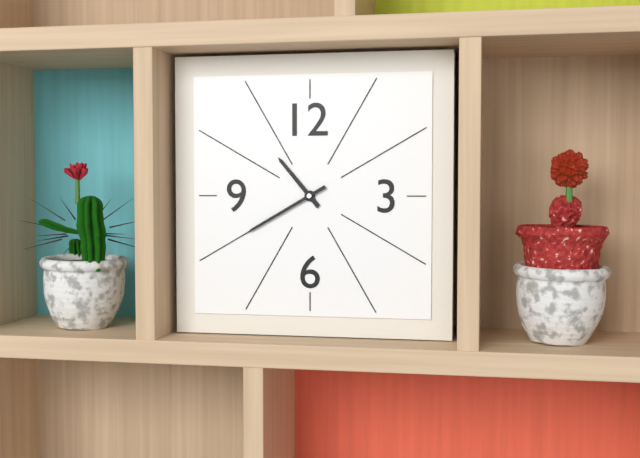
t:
10:40
